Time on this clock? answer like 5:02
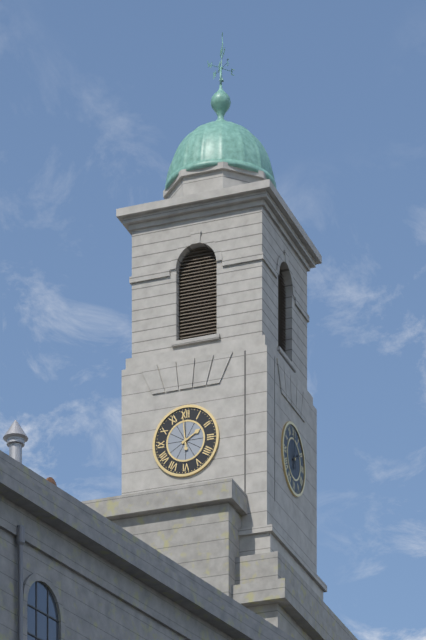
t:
1:59
